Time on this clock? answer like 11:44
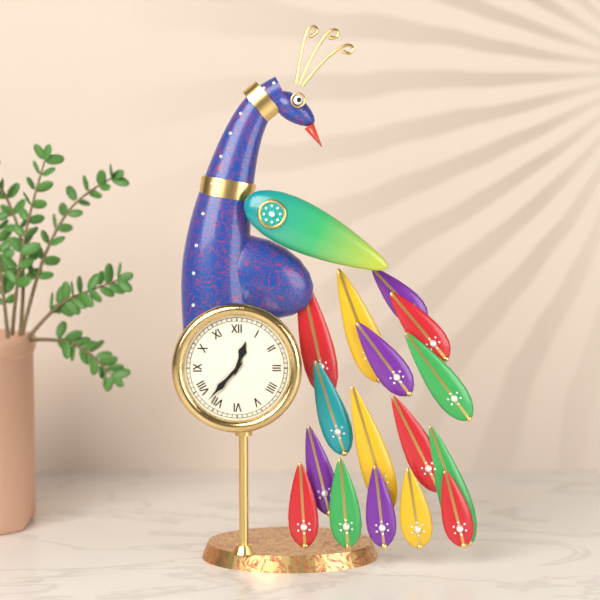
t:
12:37
